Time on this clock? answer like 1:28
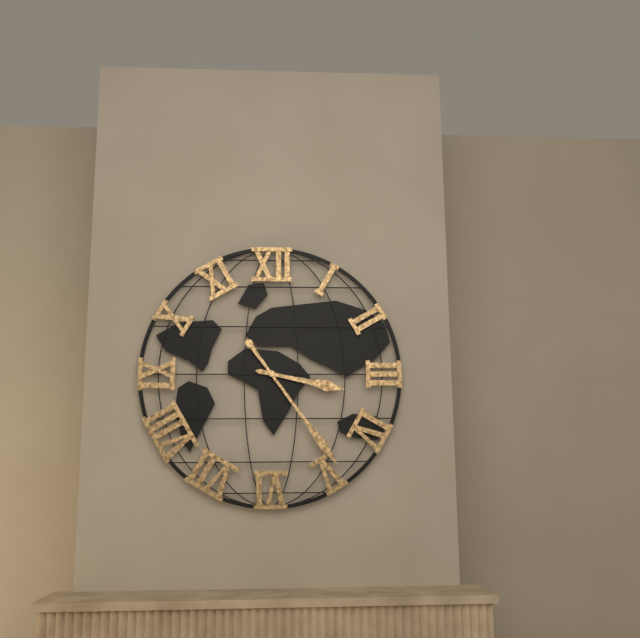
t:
3:24
